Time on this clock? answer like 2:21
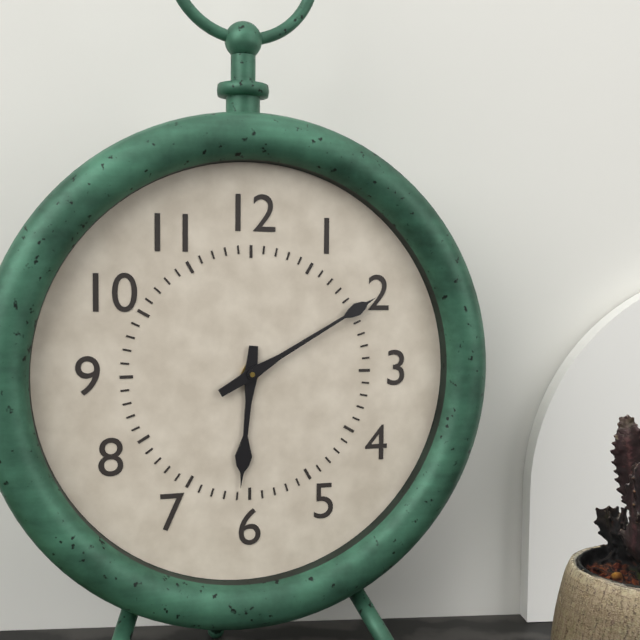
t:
6:10
